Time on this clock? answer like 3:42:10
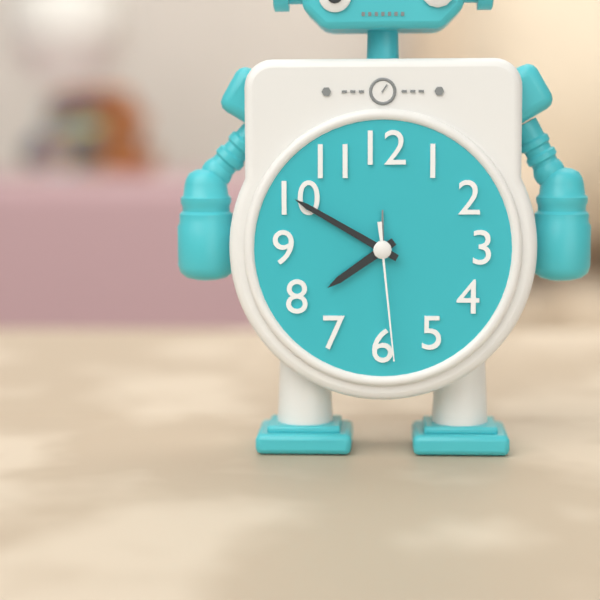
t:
7:50:29
